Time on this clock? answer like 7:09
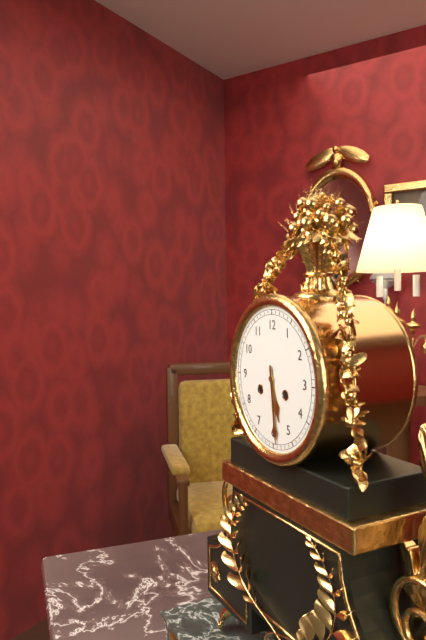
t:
5:29
